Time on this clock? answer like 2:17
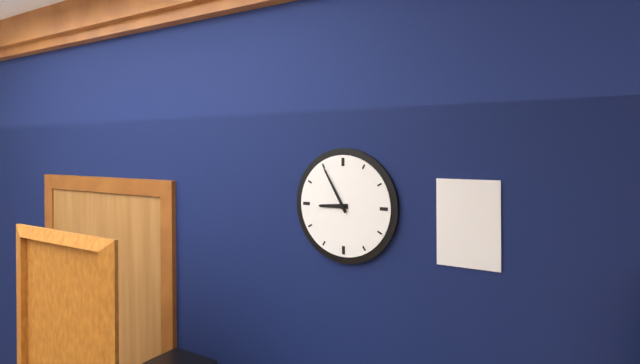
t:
8:55
